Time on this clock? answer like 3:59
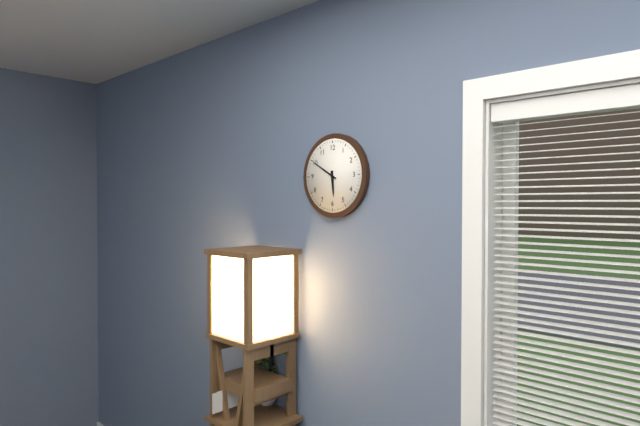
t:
5:50
